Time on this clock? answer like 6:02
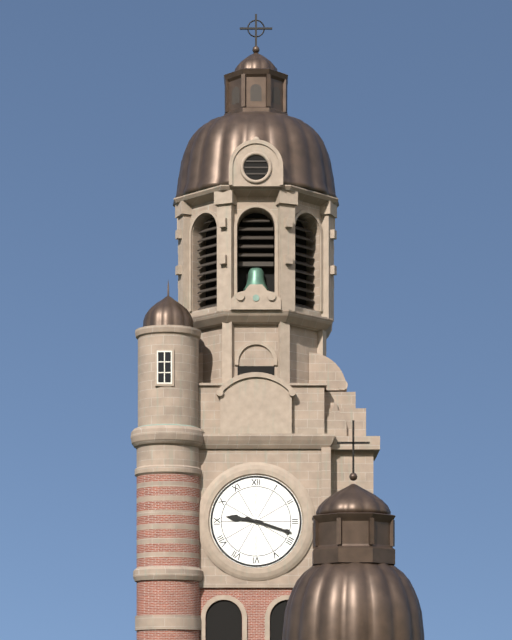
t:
9:18
